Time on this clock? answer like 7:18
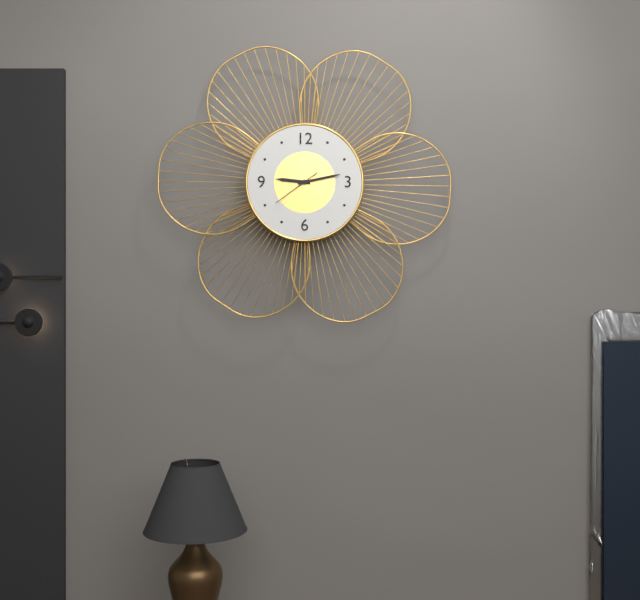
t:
9:13
